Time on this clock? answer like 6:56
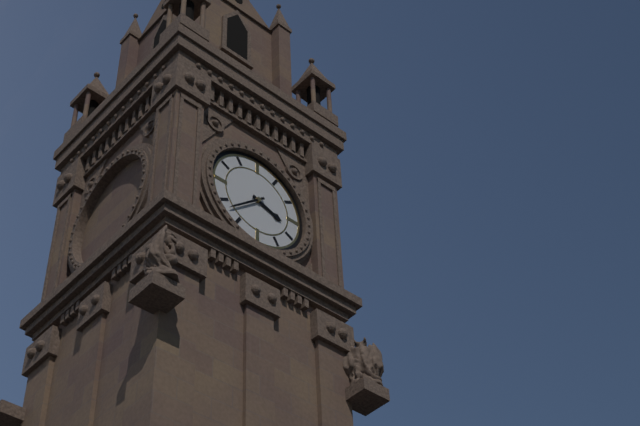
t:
3:38
